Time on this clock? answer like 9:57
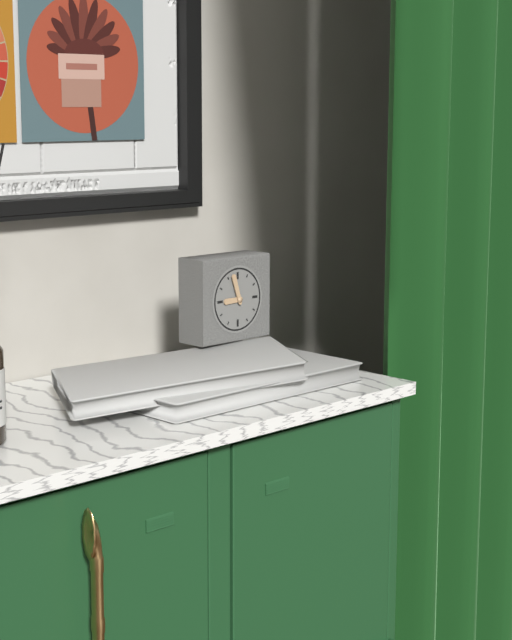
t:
8:57
